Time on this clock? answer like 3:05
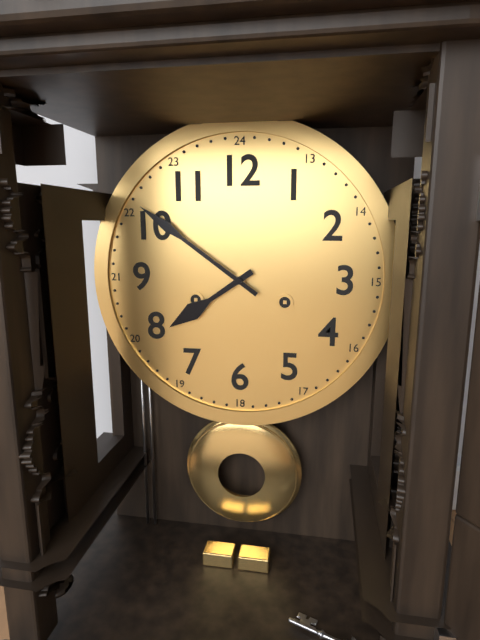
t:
7:51
